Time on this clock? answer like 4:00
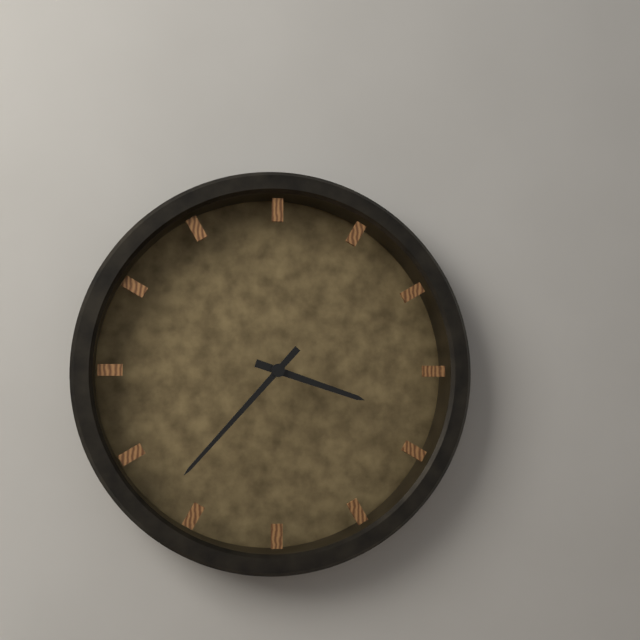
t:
3:37
